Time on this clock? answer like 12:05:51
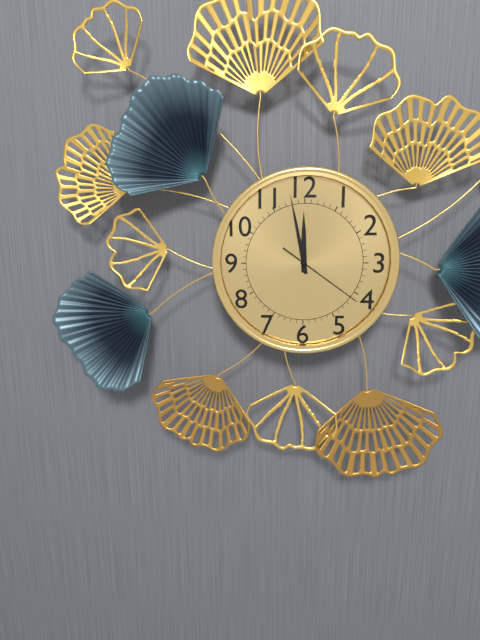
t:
11:58:21
